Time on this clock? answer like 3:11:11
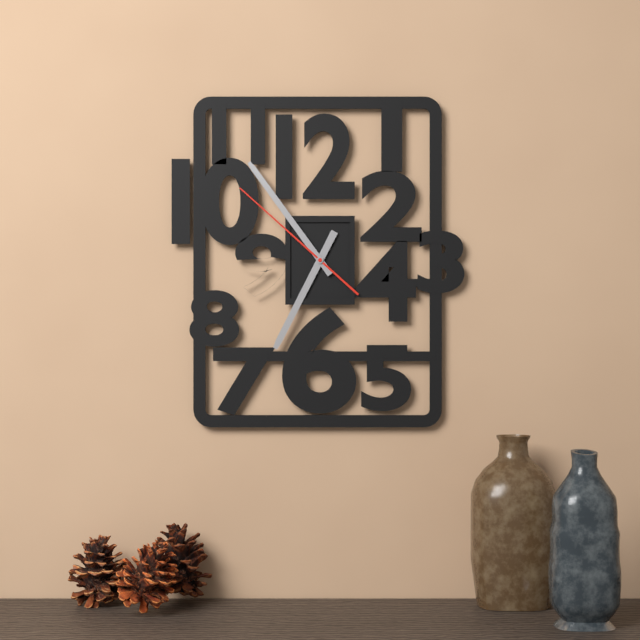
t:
6:54:52
